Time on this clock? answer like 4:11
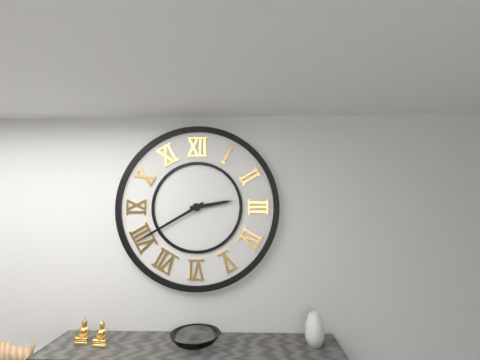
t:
2:40
